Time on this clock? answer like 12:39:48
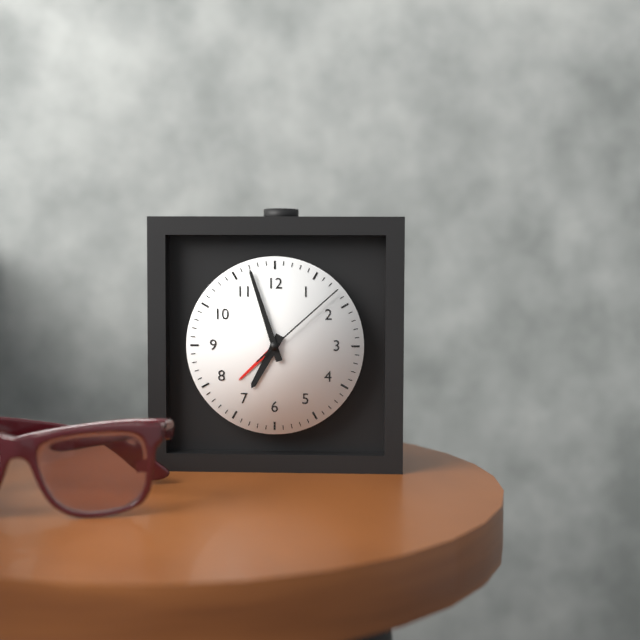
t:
6:57:08
